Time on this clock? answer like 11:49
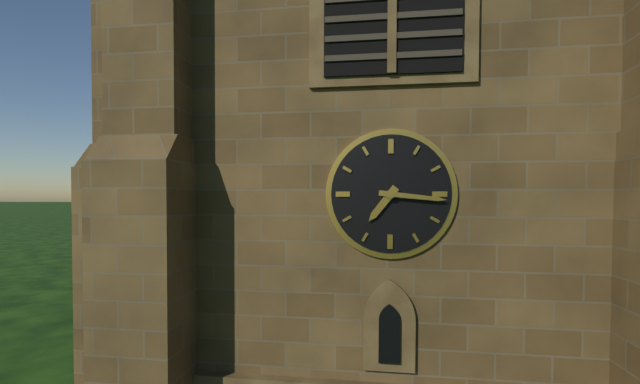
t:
7:16
